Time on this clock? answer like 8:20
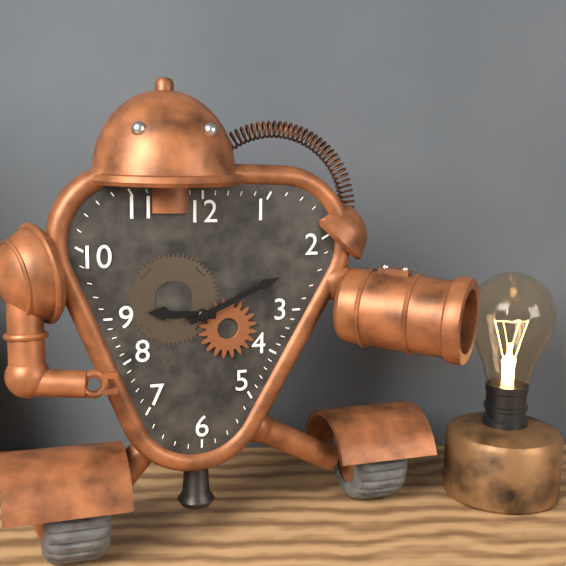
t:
9:11
